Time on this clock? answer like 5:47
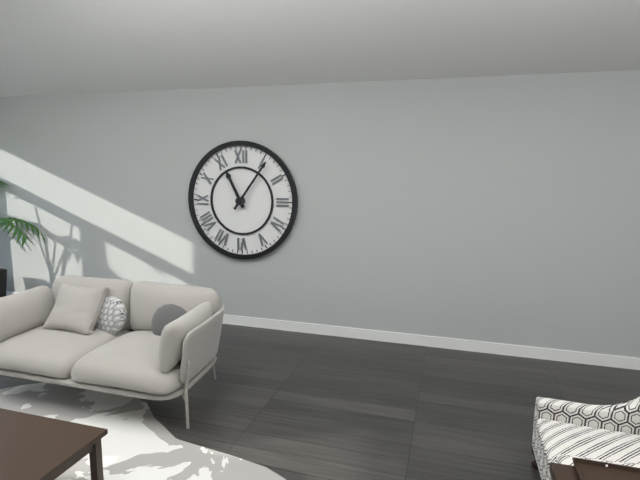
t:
11:06
